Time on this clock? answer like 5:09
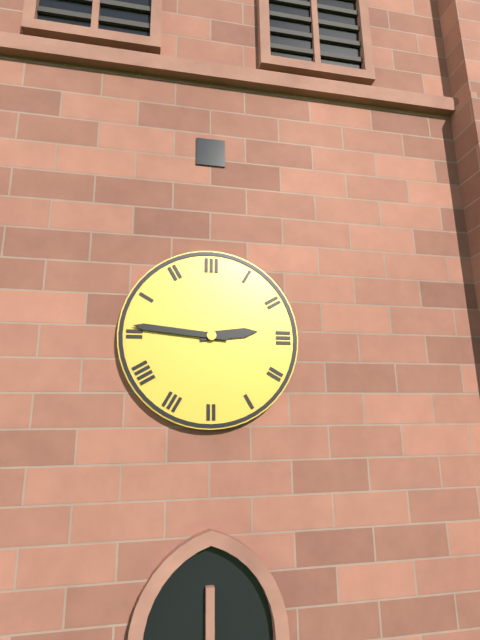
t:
2:46
